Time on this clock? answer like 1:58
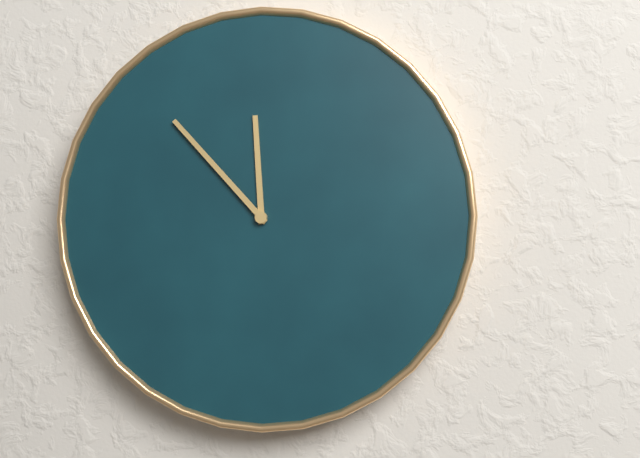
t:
11:53
